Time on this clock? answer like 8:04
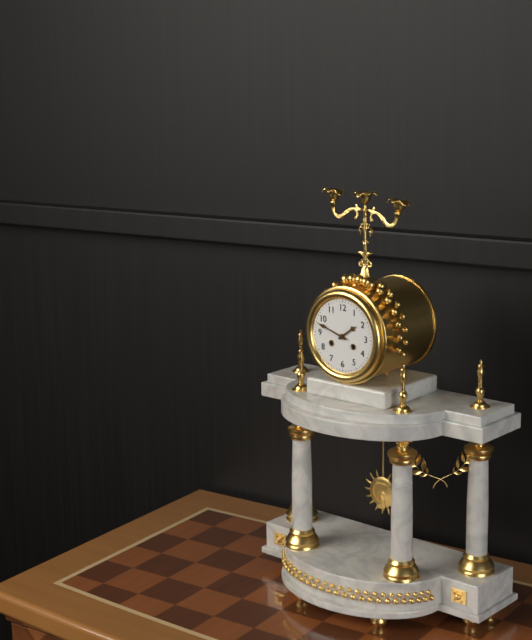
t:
1:48
